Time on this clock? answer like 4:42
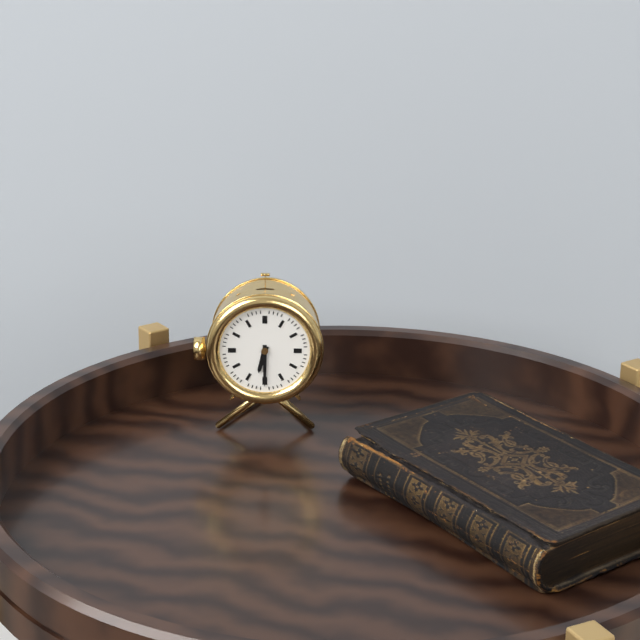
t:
6:30
